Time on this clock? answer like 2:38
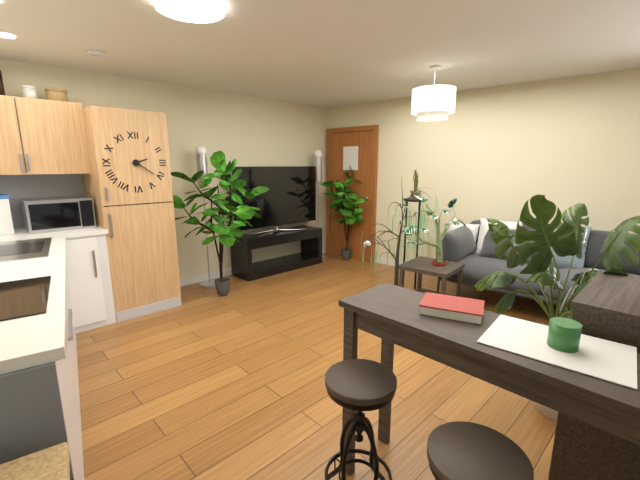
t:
2:21
